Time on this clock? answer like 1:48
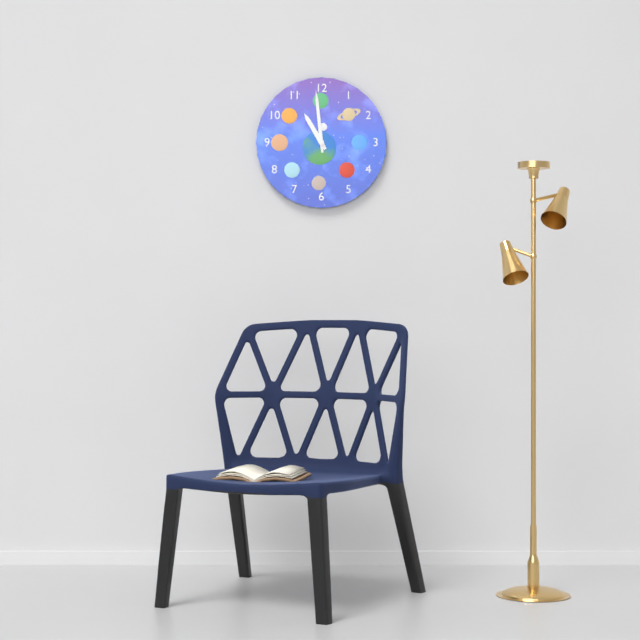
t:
10:59
